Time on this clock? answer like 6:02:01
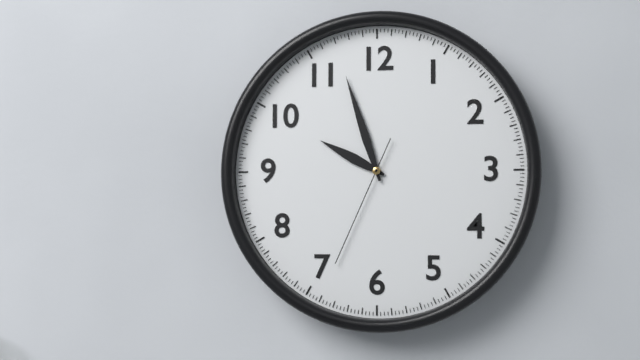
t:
9:57:34
